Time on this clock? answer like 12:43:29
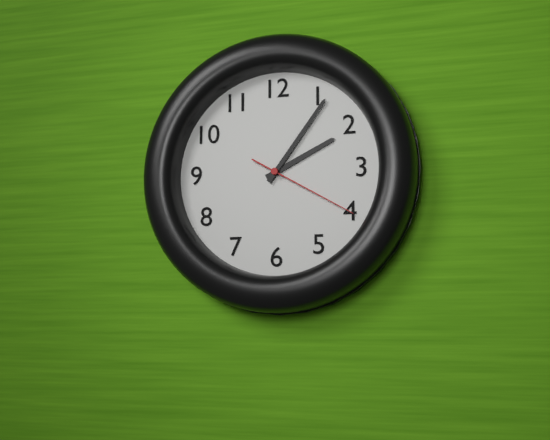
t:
2:06:20
